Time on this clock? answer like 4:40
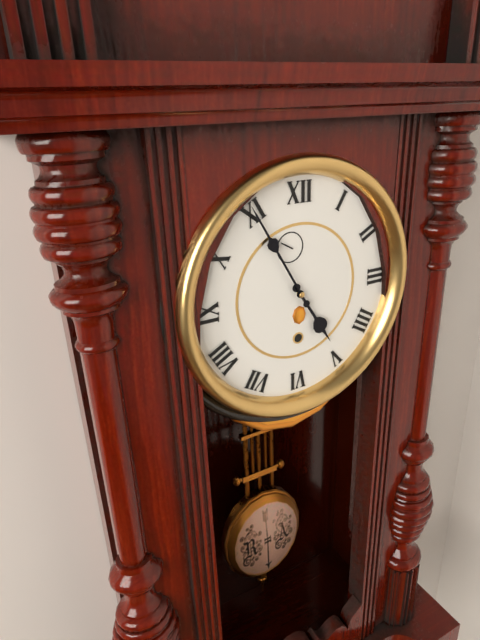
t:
4:55
